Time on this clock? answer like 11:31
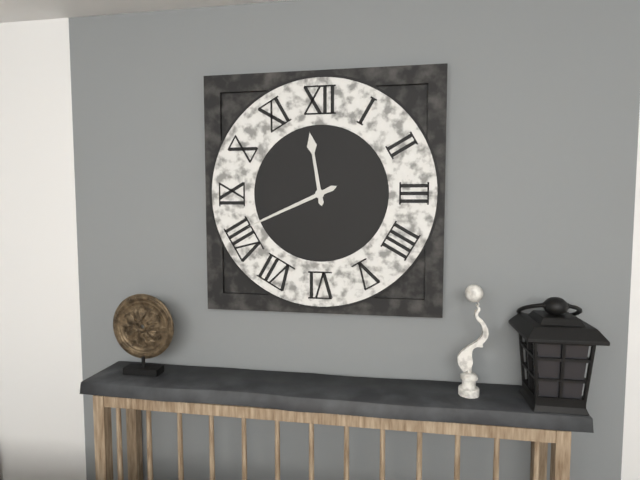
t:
11:41
